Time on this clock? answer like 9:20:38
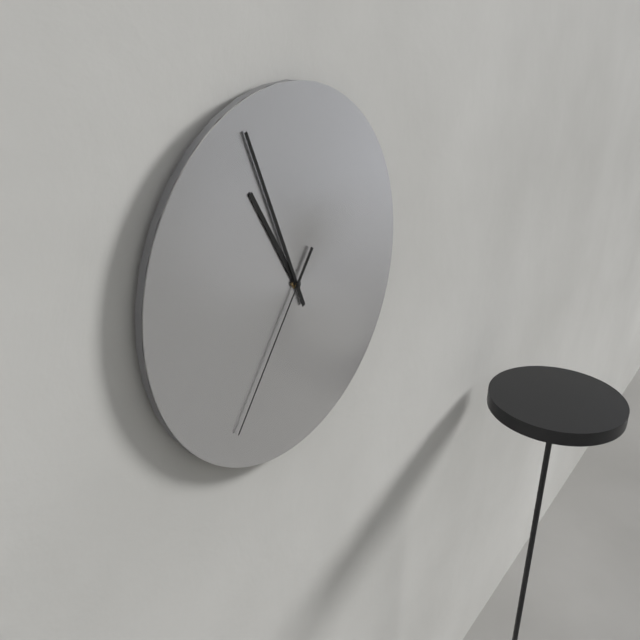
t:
10:56:36
